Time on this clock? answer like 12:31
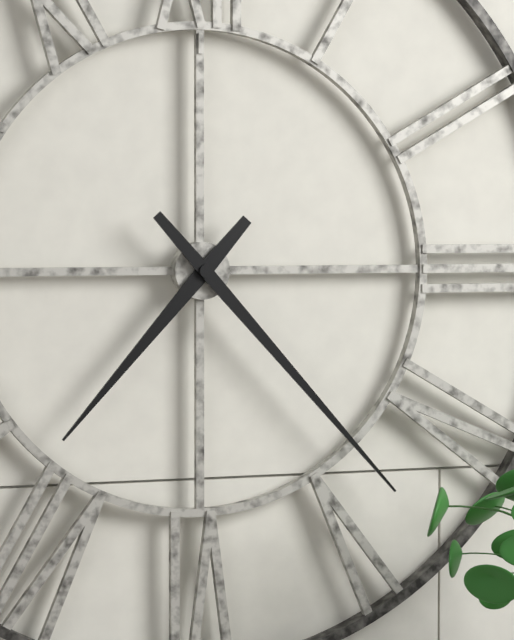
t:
7:23
